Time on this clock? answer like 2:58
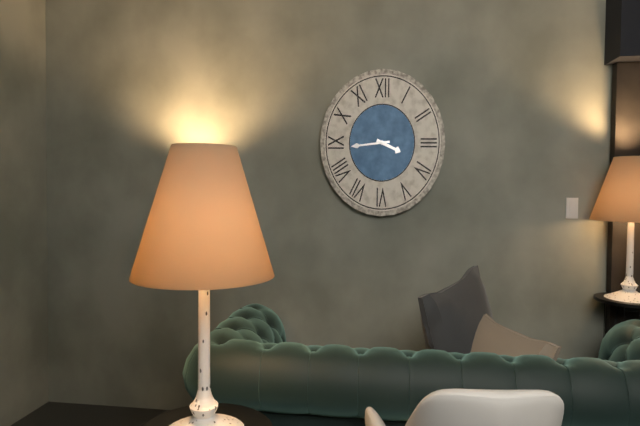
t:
3:44
